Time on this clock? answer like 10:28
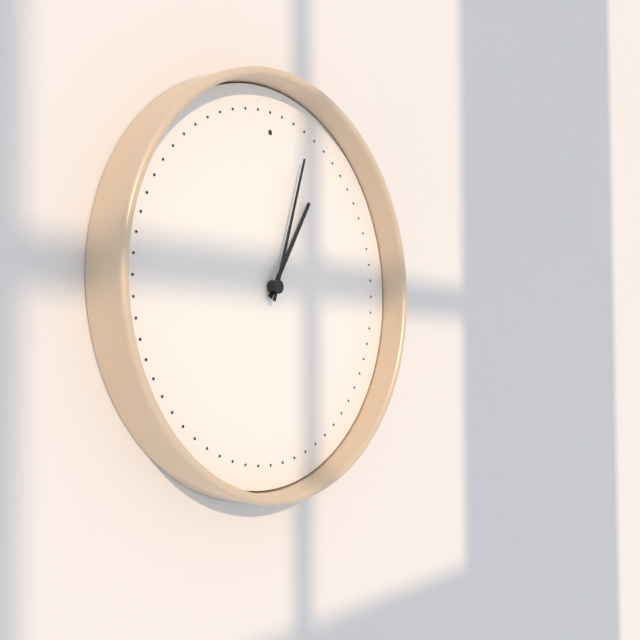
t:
1:03
